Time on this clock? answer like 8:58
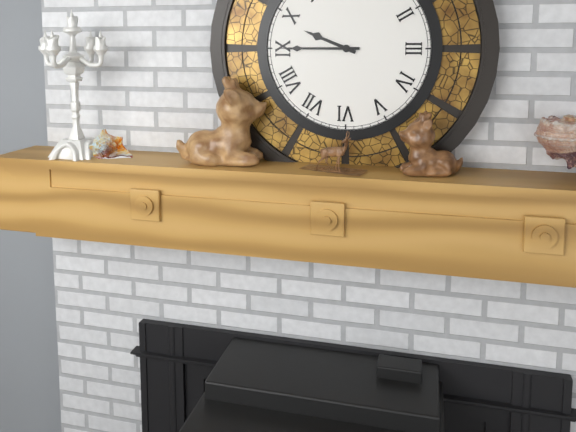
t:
9:45
